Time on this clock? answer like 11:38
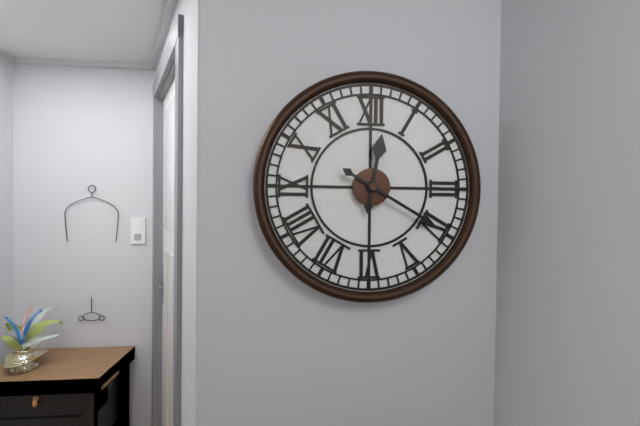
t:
12:20
